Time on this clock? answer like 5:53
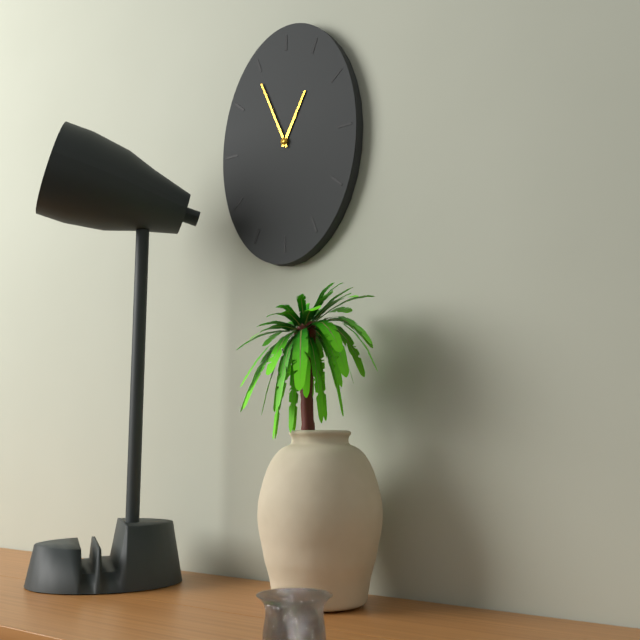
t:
12:56
